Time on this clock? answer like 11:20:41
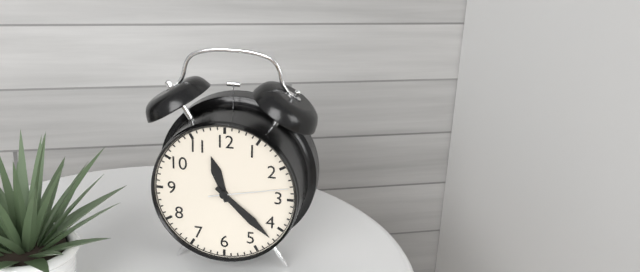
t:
11:22:13
